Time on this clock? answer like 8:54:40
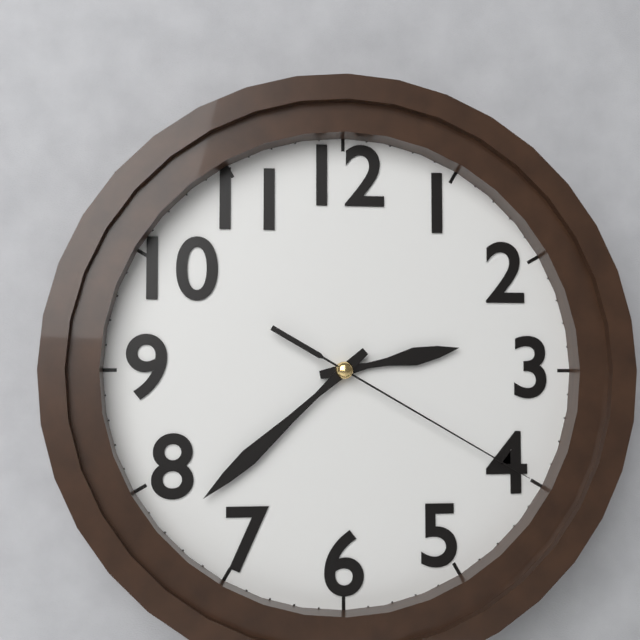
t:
2:38:20
